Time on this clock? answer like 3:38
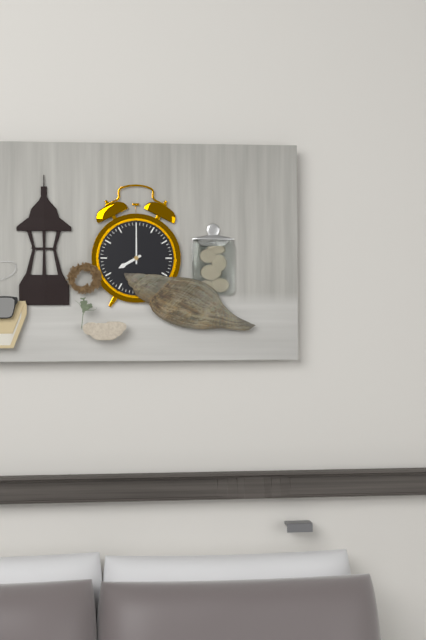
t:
8:00
